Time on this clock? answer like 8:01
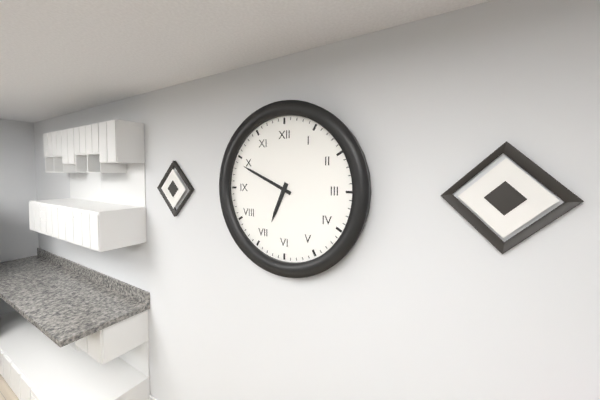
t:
6:49
